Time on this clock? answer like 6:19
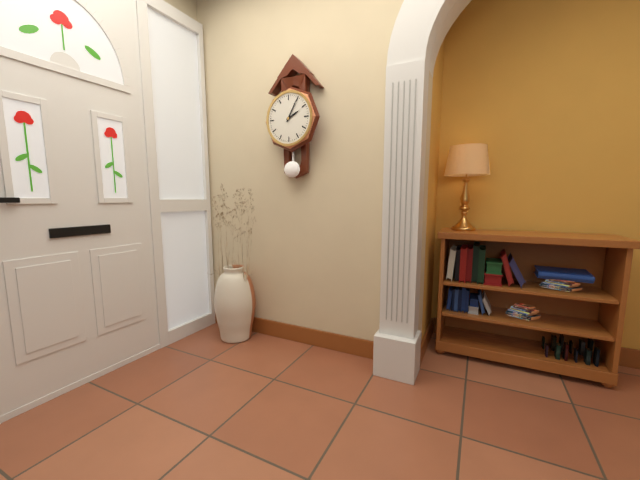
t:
2:05
